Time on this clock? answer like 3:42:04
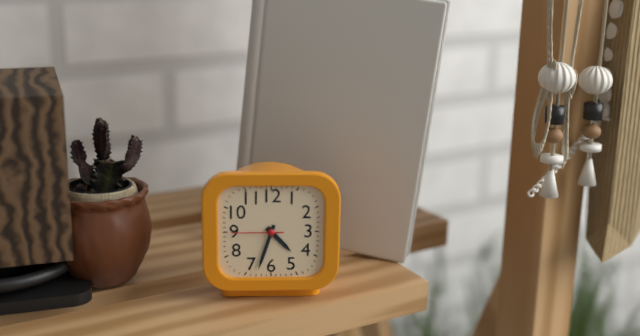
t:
4:33:45
